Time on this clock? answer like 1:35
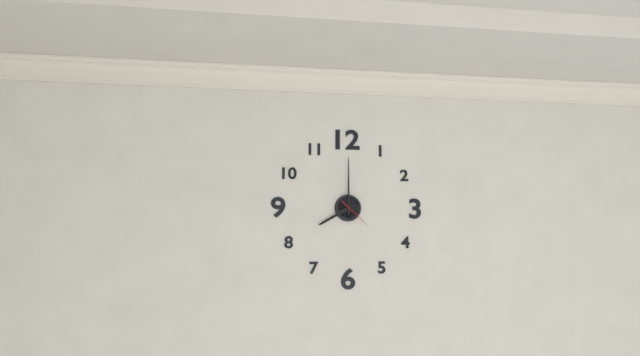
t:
8:00
